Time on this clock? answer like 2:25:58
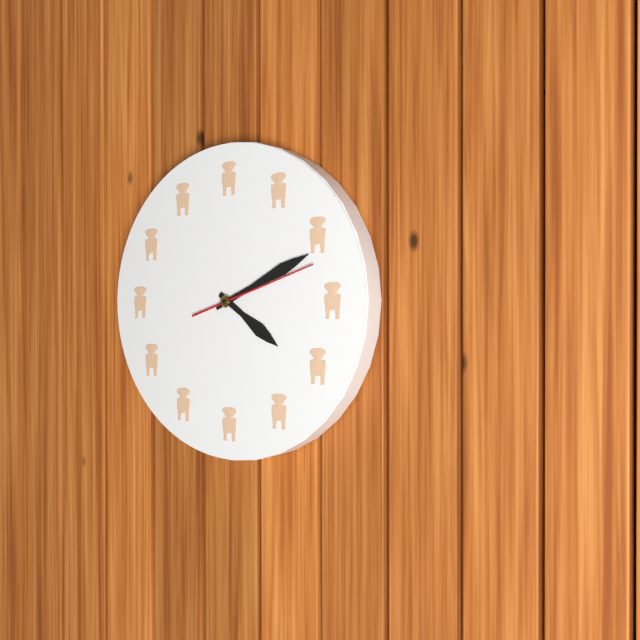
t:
4:11:12
